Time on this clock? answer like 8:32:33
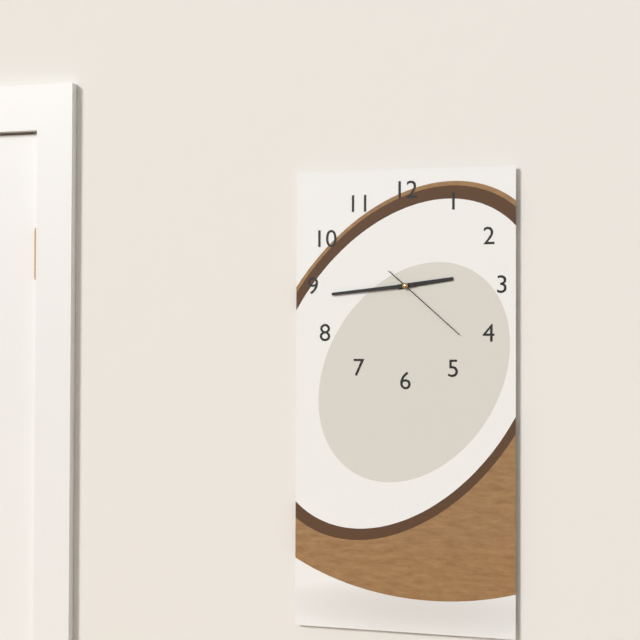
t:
2:44:22
